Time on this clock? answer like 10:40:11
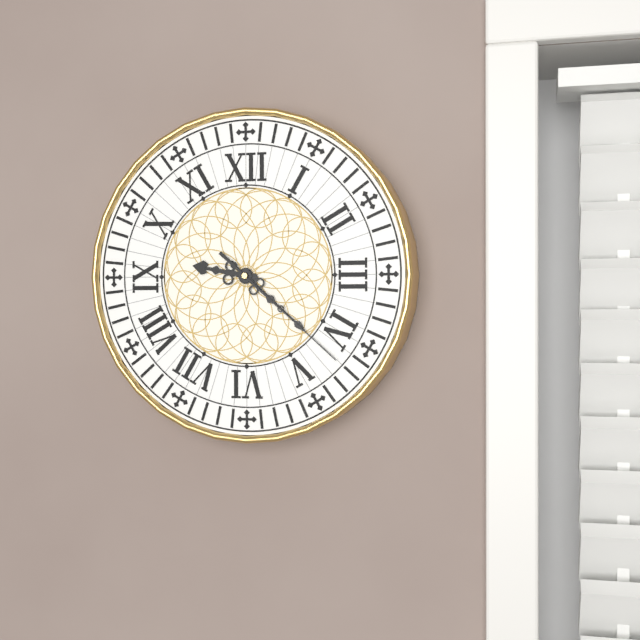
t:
9:22:22
